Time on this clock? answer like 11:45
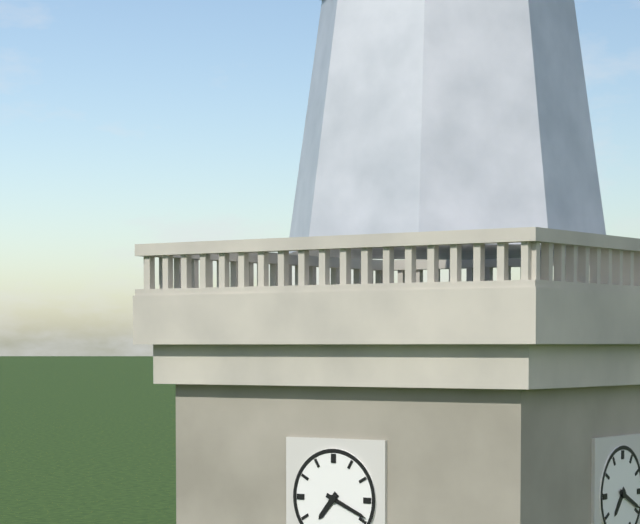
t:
7:19
